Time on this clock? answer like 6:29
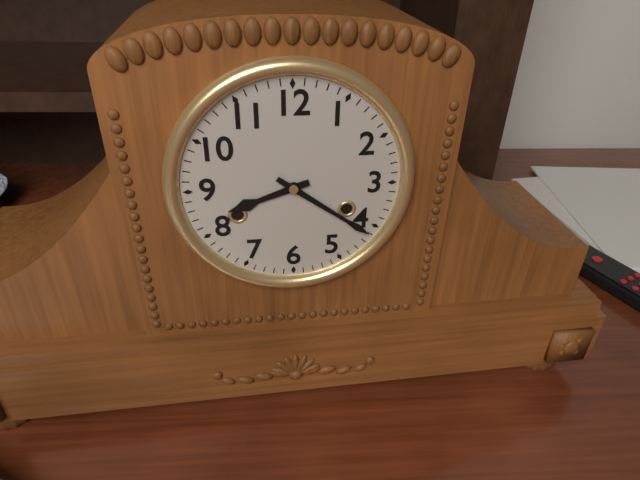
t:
8:21
